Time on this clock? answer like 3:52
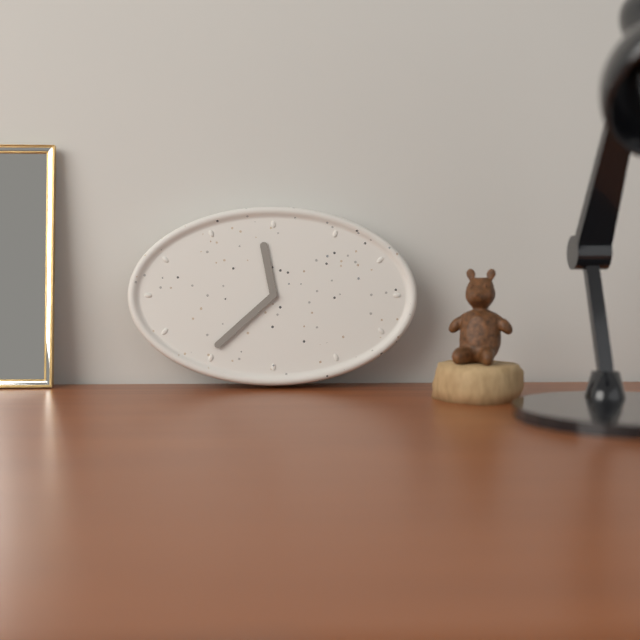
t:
11:38
